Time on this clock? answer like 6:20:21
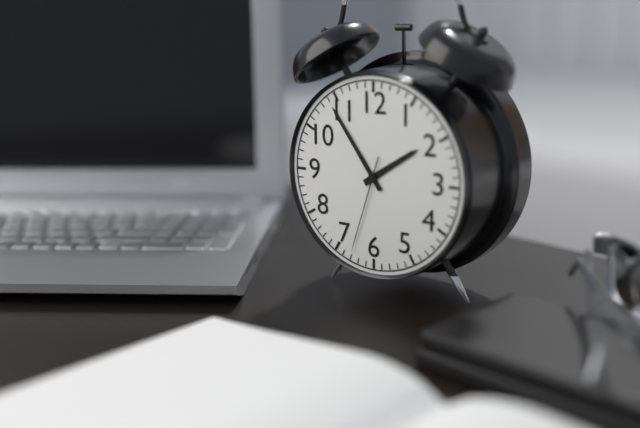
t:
1:54:33
